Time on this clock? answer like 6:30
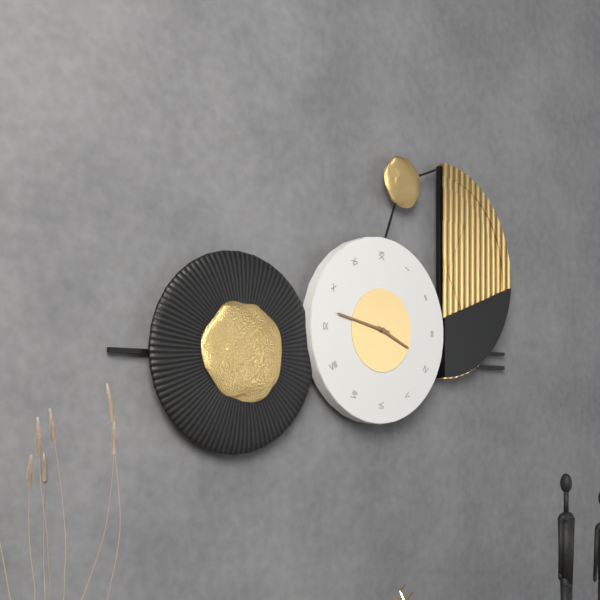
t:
3:47
